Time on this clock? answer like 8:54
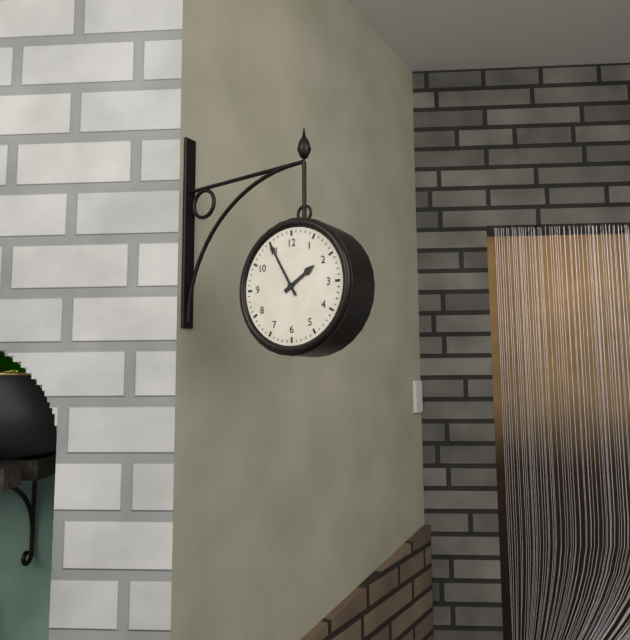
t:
1:55
